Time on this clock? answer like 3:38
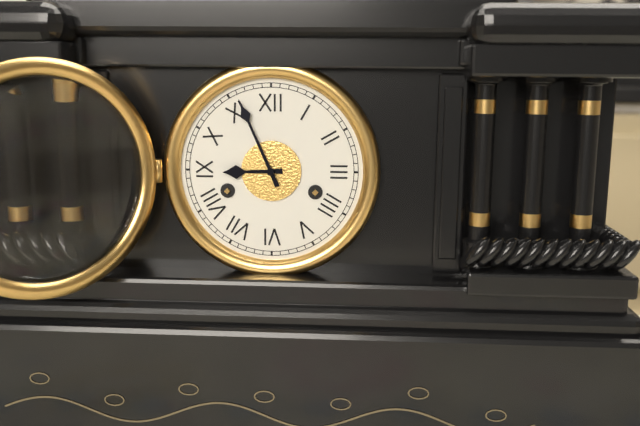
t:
8:56
